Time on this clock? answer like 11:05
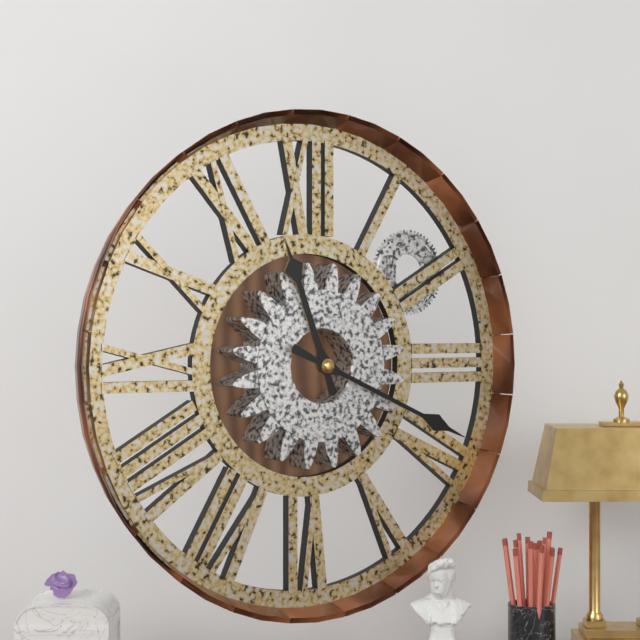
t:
11:19
